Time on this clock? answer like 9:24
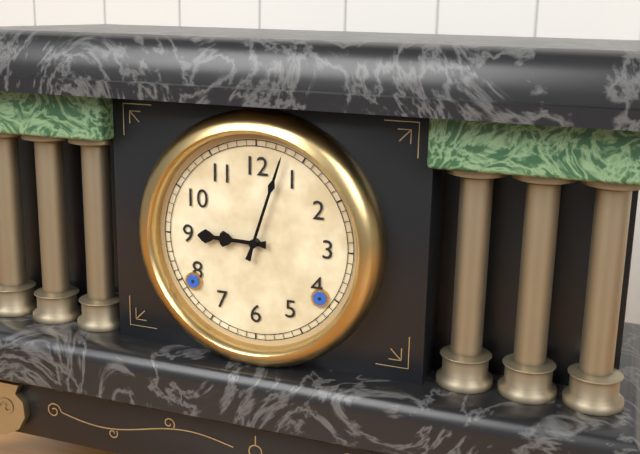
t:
9:03
